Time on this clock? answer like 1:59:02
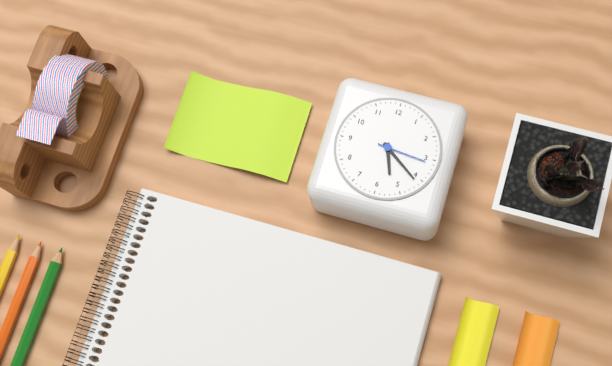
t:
5:21:16
